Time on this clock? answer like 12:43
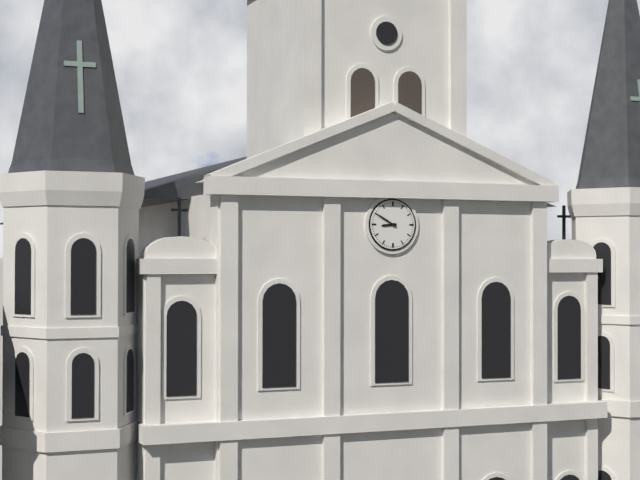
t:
8:50
